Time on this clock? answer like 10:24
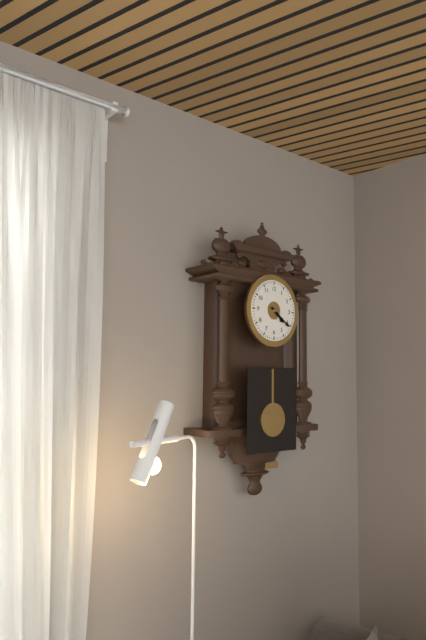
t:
4:21
